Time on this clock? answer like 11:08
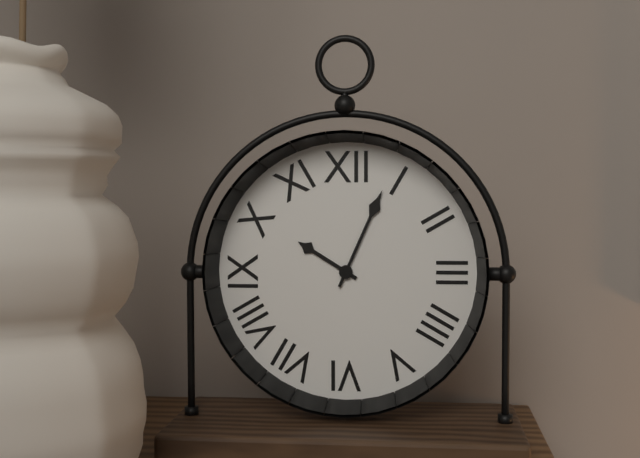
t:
10:04
